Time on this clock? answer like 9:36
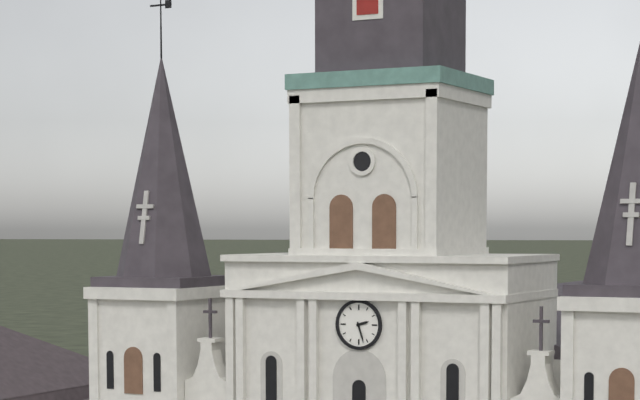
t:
2:27
